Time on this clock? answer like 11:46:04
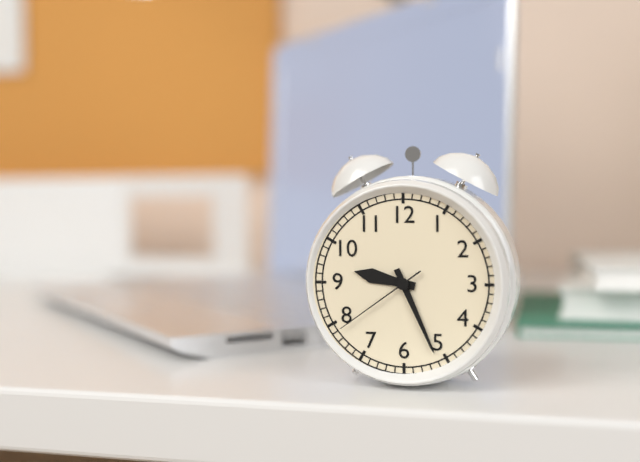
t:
9:26:39
